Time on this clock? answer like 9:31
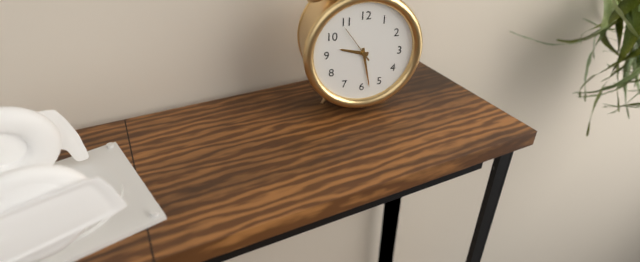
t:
9:28
